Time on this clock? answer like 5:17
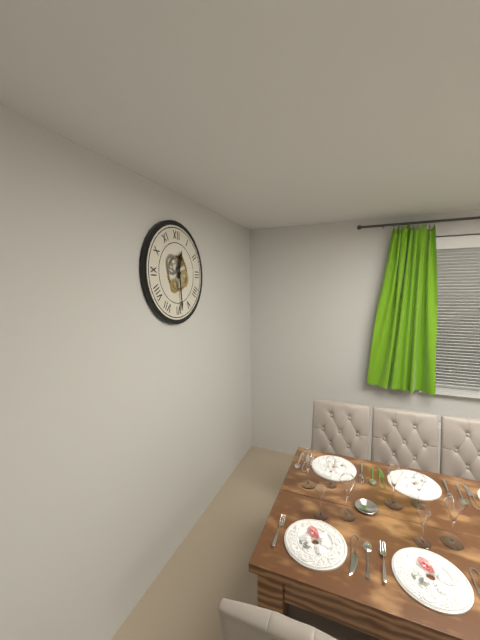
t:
12:29
